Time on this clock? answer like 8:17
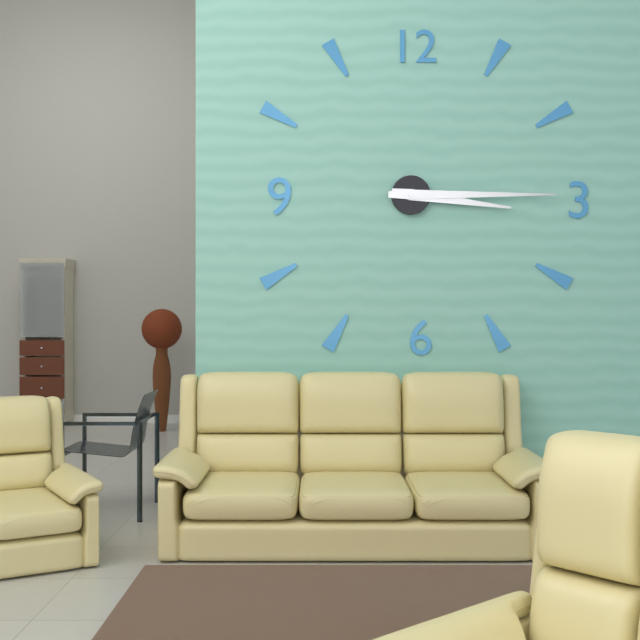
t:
3:15
